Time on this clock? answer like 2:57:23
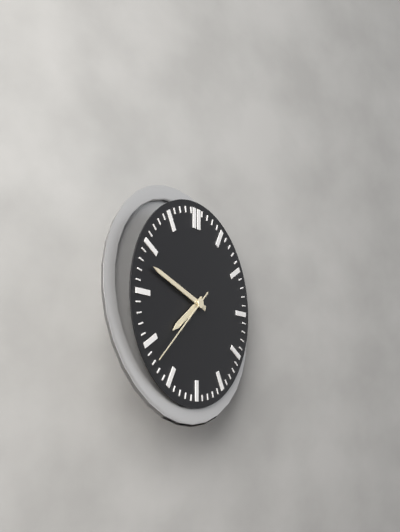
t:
7:48:38
